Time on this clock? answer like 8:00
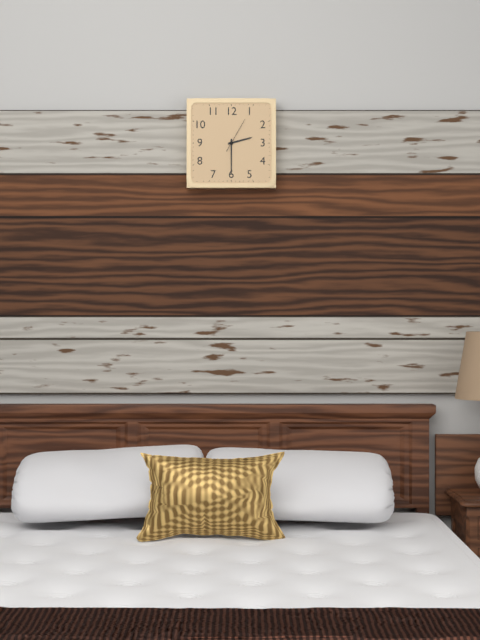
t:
2:30
